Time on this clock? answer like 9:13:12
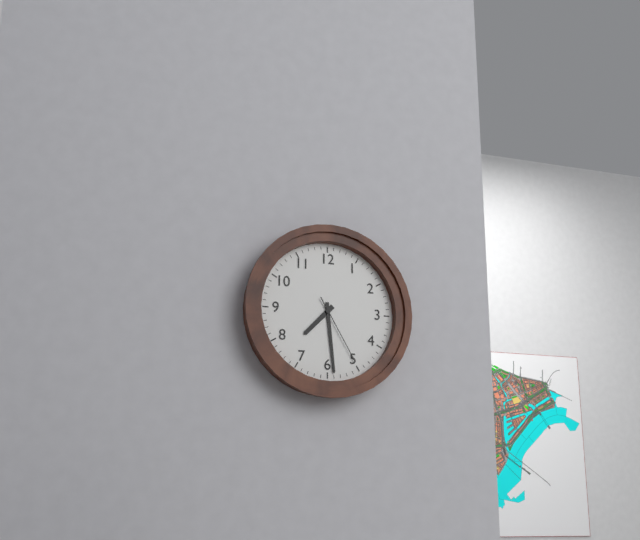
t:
7:29:25
